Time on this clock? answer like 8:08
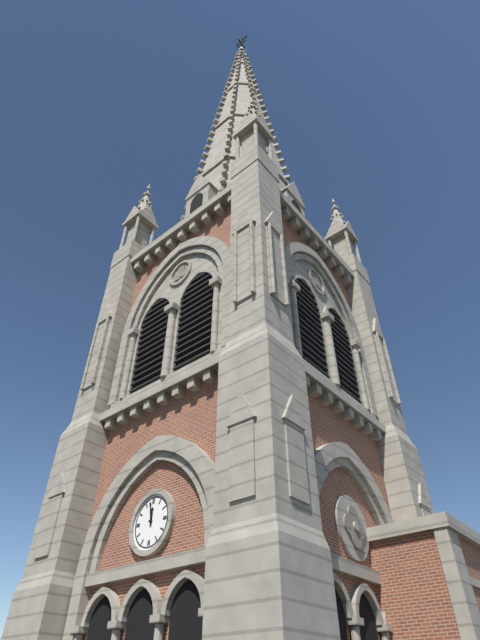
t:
11:58
